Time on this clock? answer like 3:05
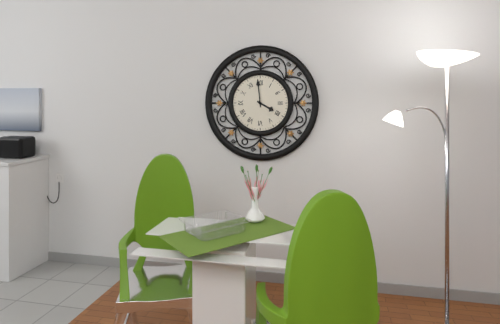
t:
3:59
